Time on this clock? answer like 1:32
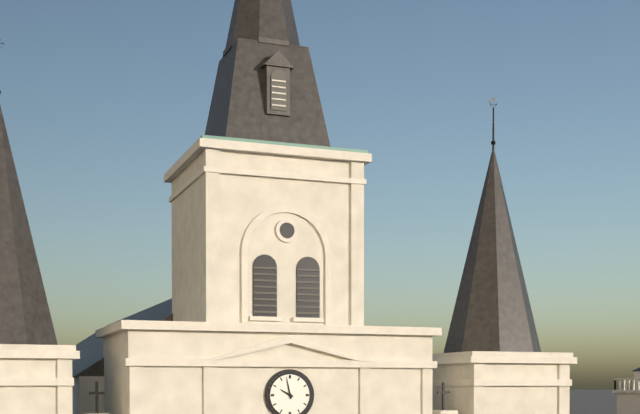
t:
9:58
